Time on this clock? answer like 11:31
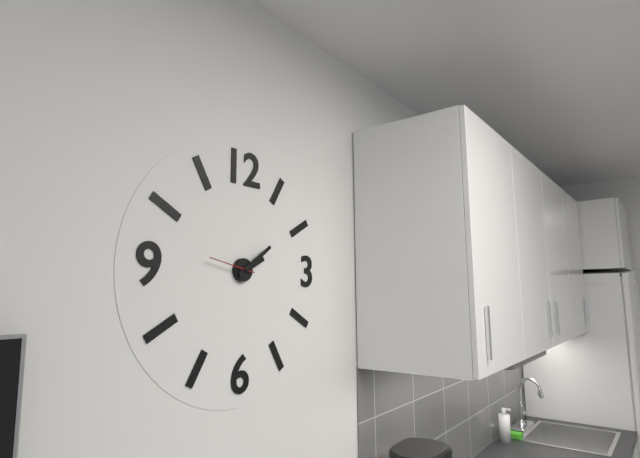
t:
2:09
